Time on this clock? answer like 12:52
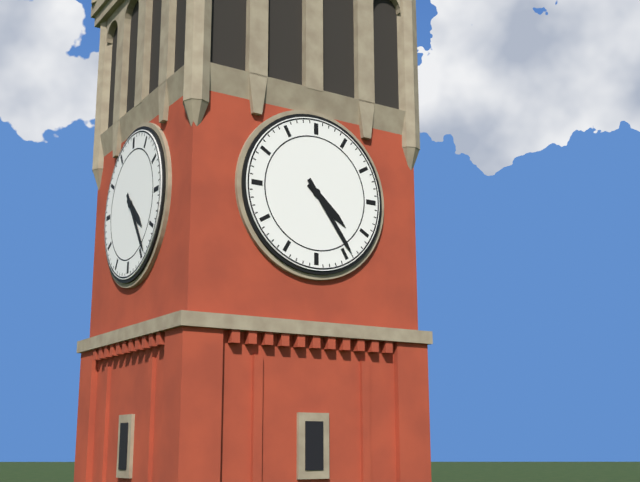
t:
4:24
